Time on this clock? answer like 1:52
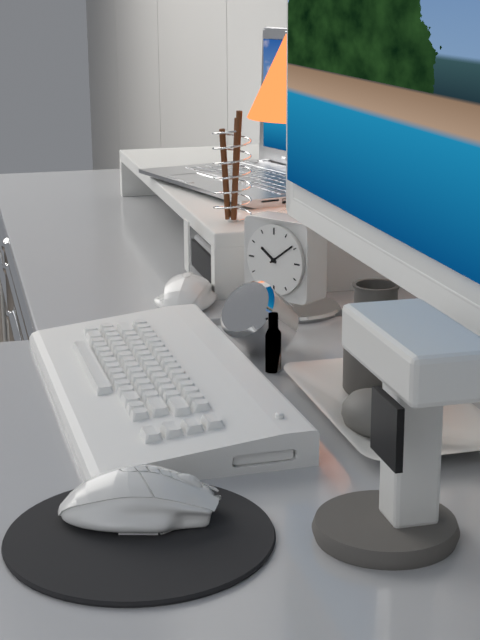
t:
10:09
